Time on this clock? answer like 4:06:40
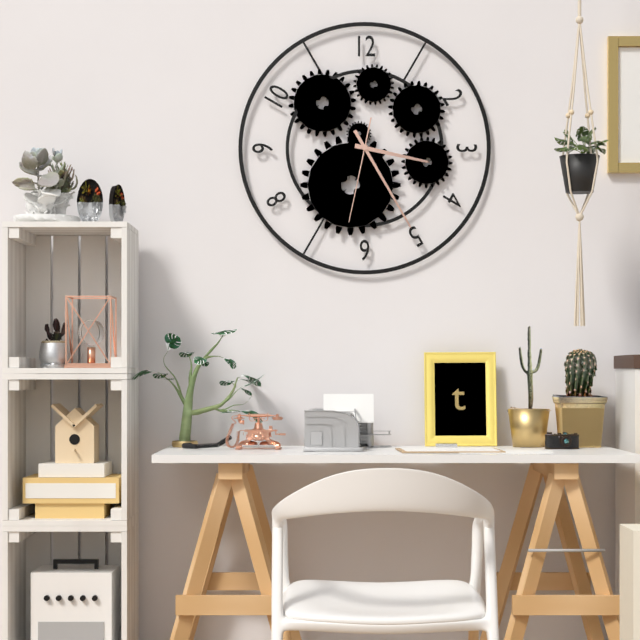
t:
3:25:32
